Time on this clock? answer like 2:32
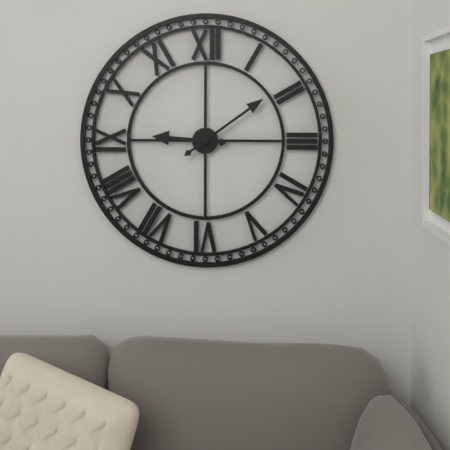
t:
9:09
